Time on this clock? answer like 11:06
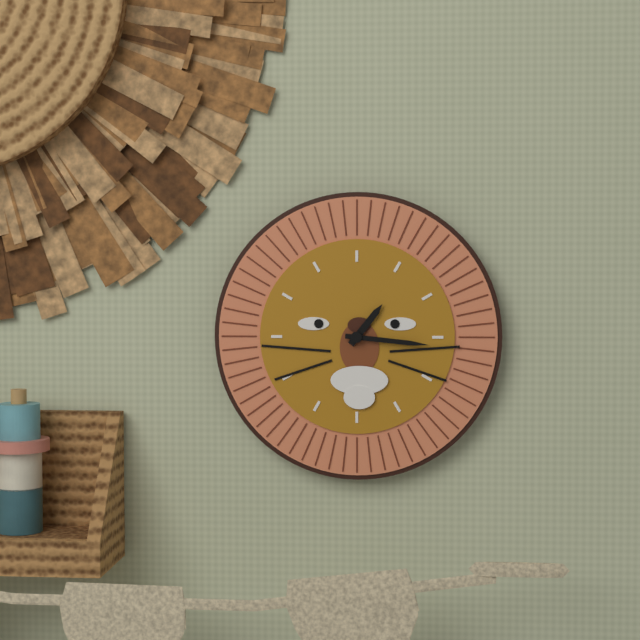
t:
1:16
